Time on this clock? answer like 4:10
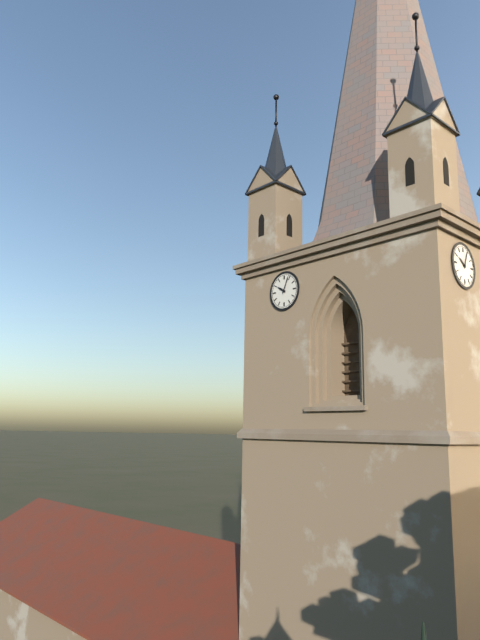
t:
10:04
